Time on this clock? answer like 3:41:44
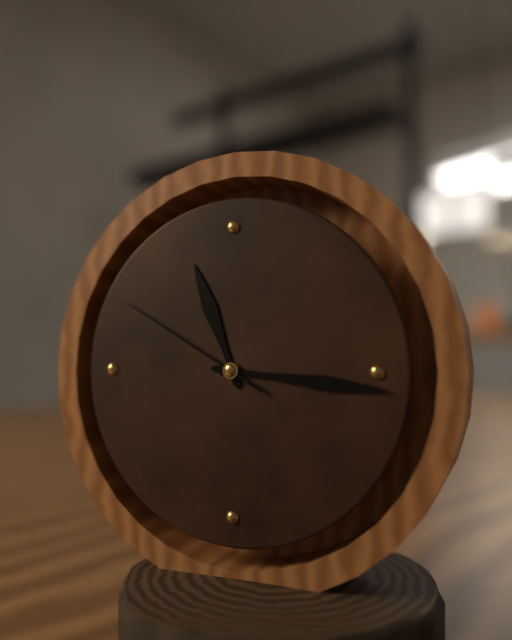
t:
11:16:50
